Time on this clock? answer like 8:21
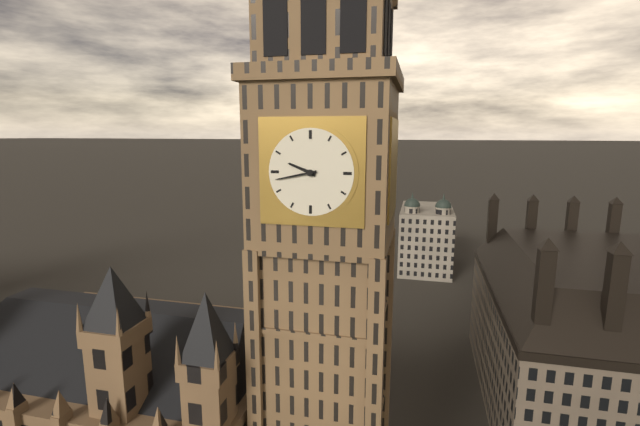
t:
9:43
